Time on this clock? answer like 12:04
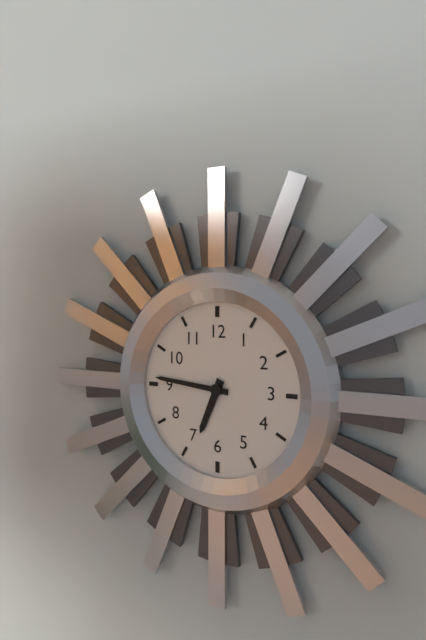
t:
6:46
